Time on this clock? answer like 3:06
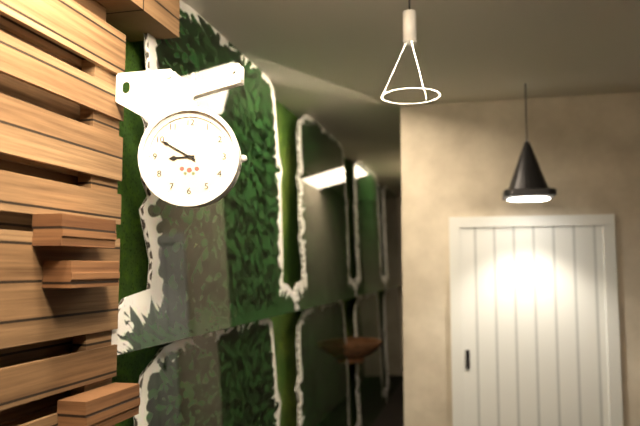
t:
8:50
